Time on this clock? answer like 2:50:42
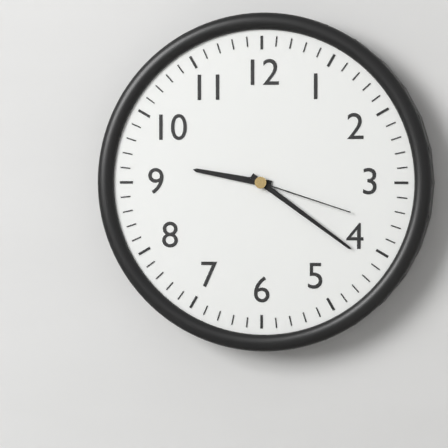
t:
9:21:18
